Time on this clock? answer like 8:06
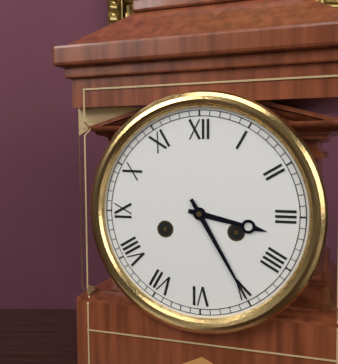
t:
3:25
